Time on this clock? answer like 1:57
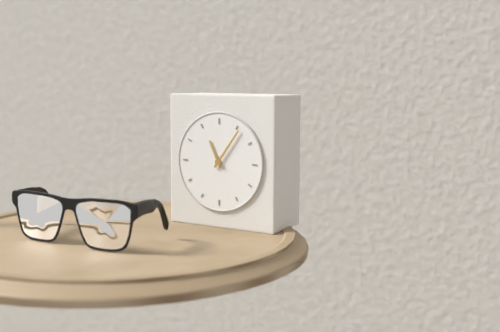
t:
11:06
